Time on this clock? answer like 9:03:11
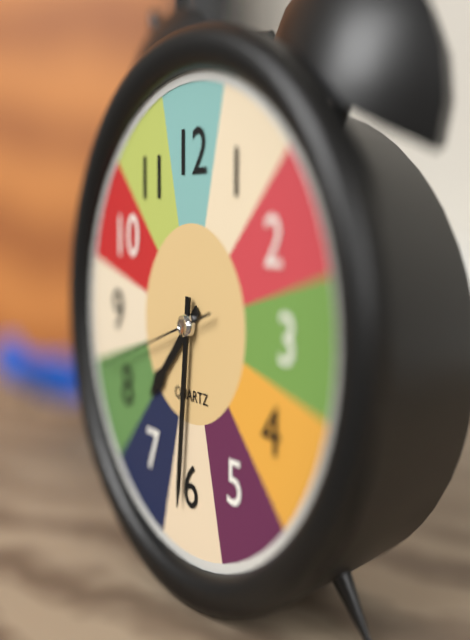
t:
7:31:42
